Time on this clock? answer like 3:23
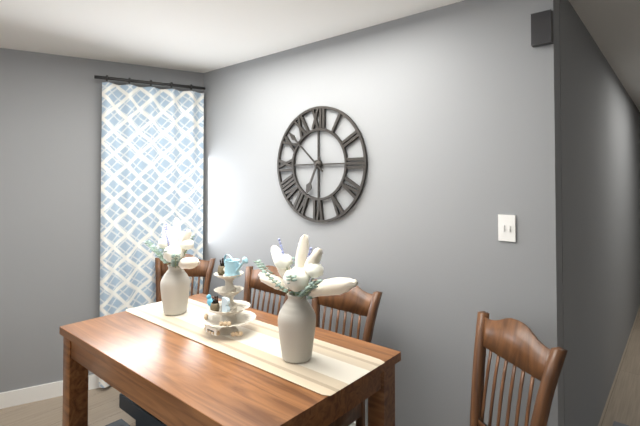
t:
6:52
